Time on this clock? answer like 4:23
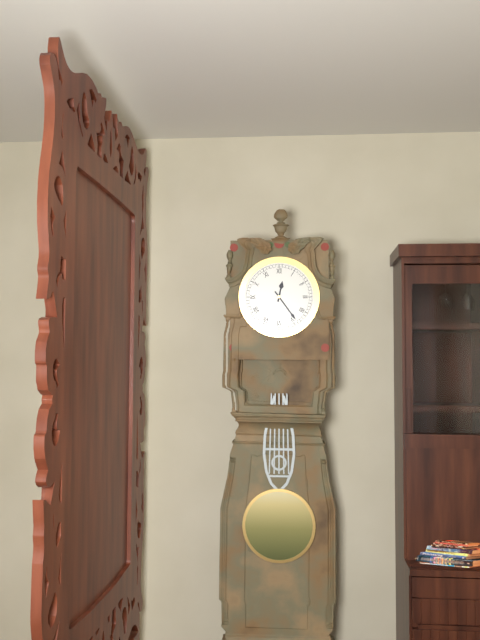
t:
12:24
